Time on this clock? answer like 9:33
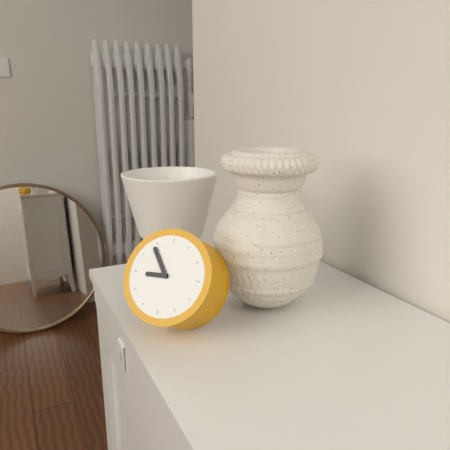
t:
8:54
